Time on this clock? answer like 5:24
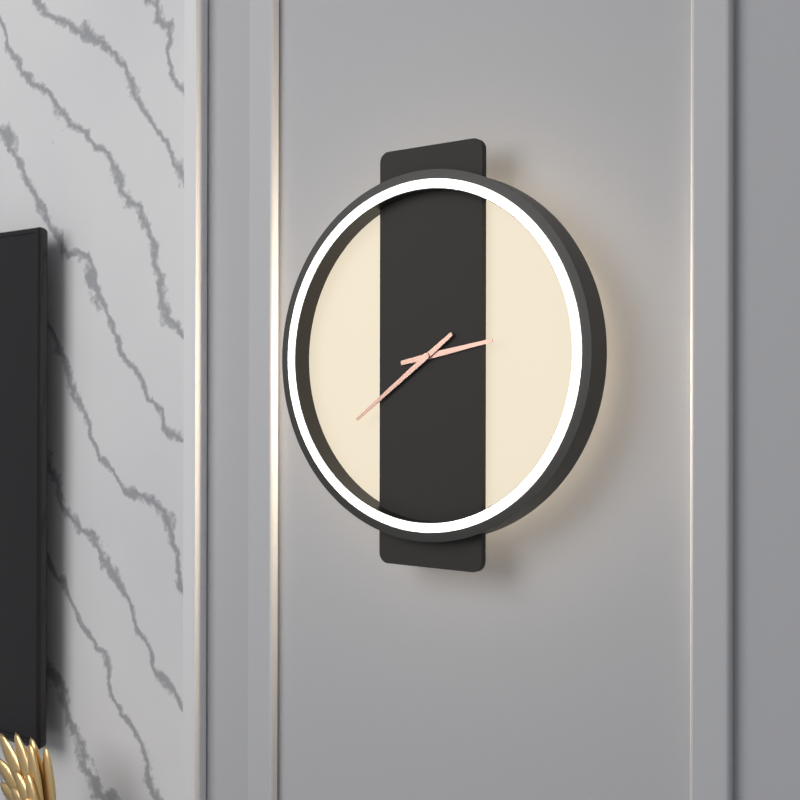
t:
2:39
